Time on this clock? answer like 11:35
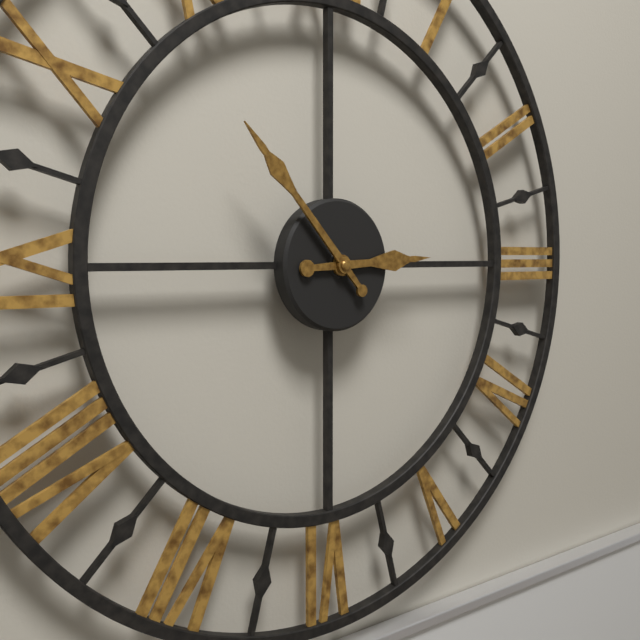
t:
2:53
